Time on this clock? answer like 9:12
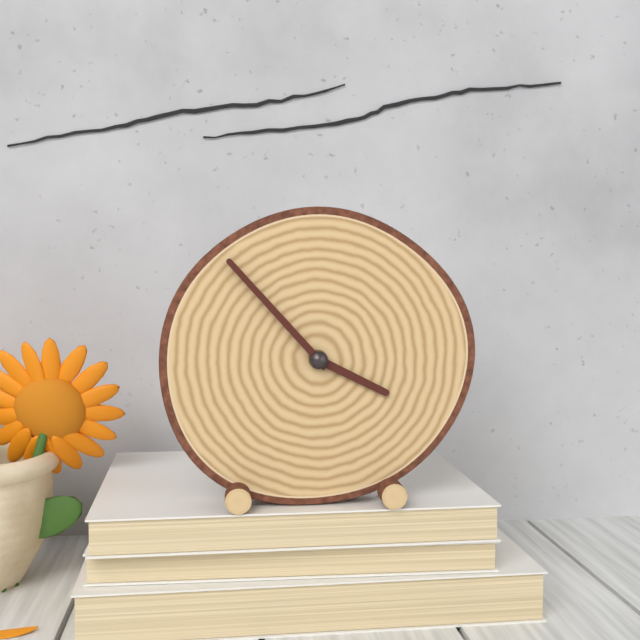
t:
3:53
